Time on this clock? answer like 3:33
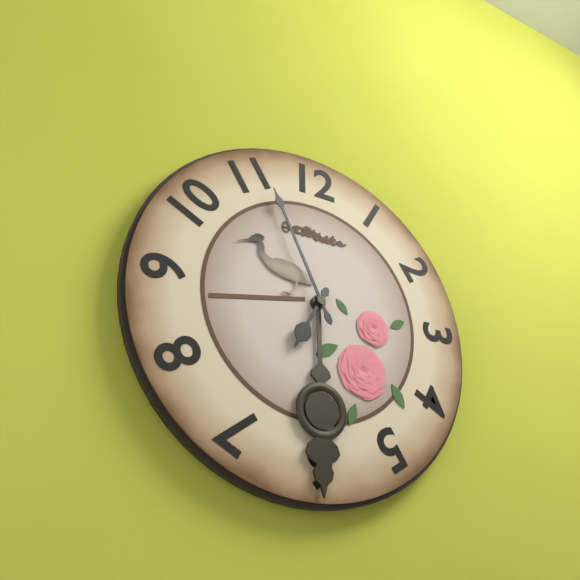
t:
6:56
